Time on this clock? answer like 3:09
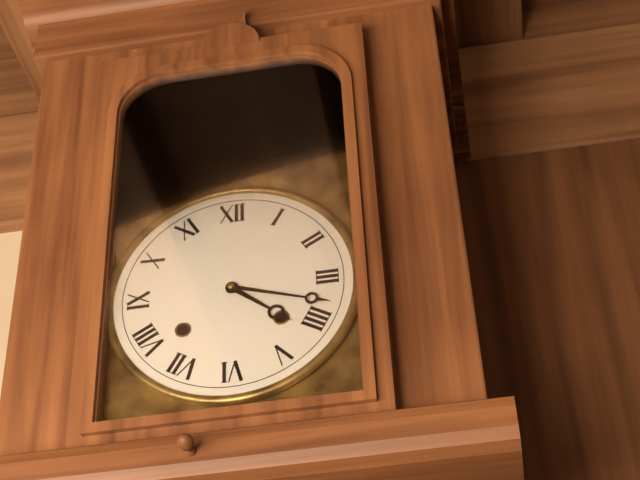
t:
4:18
